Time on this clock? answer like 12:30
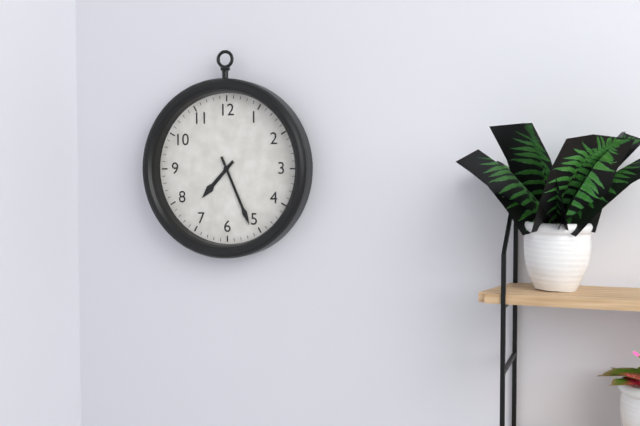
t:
7:26
